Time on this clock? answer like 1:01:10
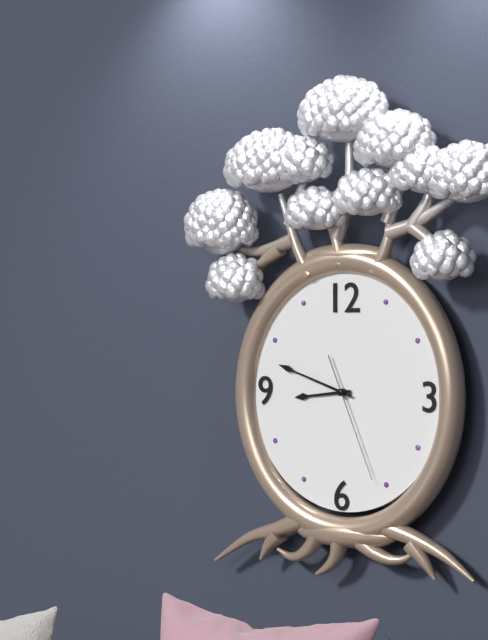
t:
8:48:26
